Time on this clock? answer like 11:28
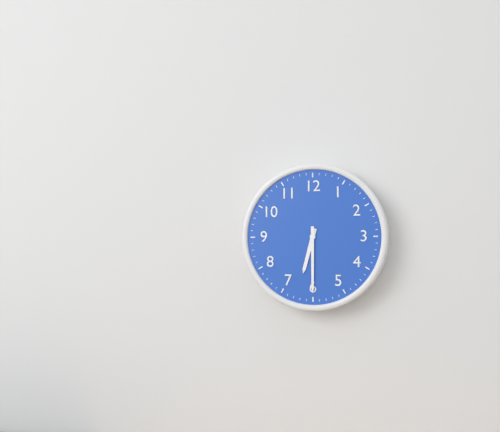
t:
6:30
